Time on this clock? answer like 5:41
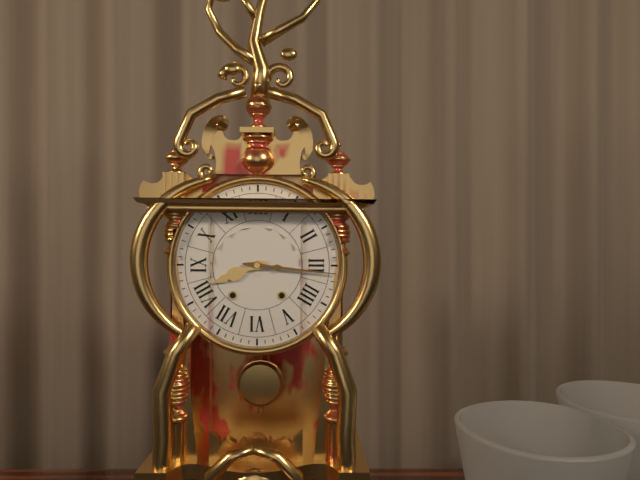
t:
8:16
